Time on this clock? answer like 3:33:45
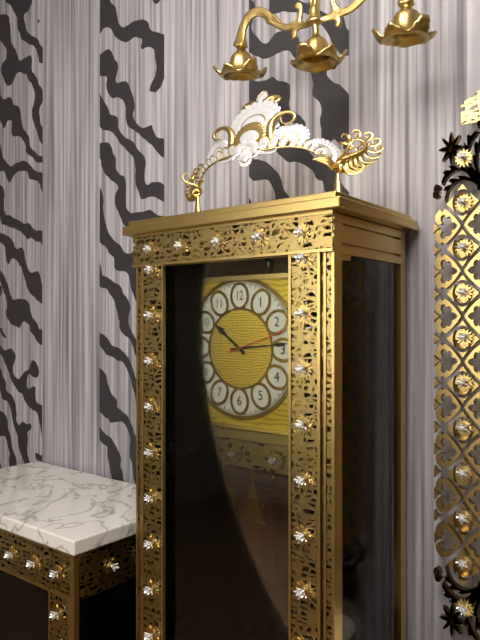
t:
10:14:12
